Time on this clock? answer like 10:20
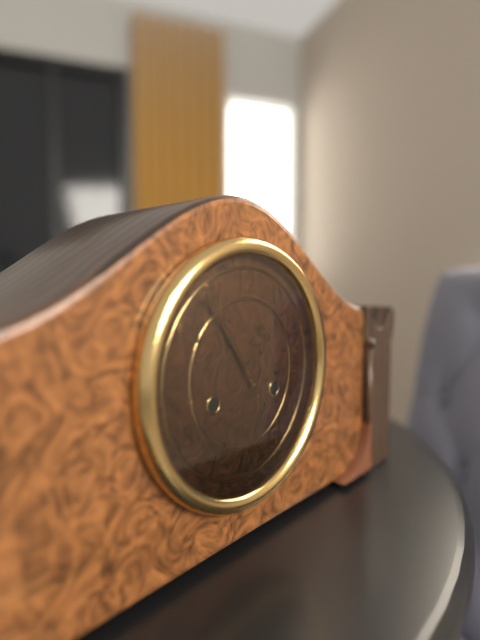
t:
10:54
